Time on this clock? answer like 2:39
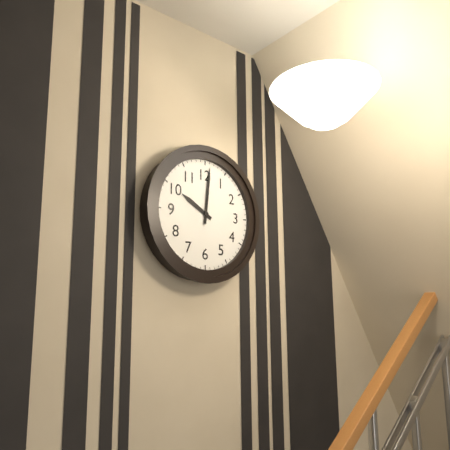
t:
10:01
